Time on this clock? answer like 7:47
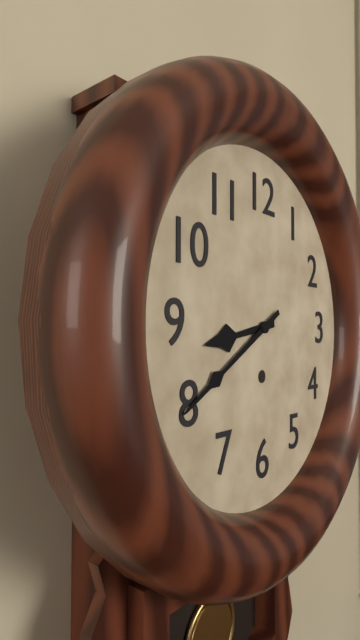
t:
8:40
